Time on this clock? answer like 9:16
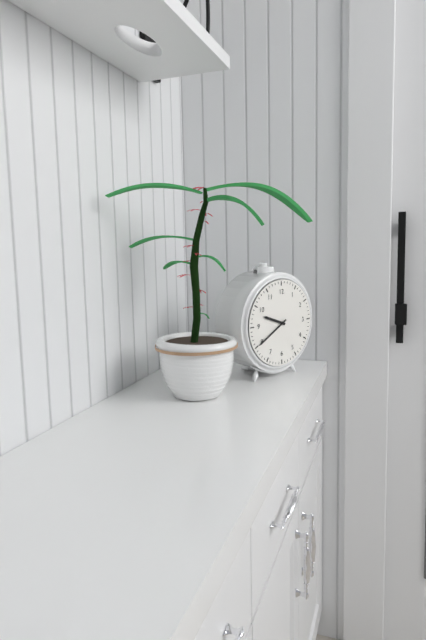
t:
9:40
